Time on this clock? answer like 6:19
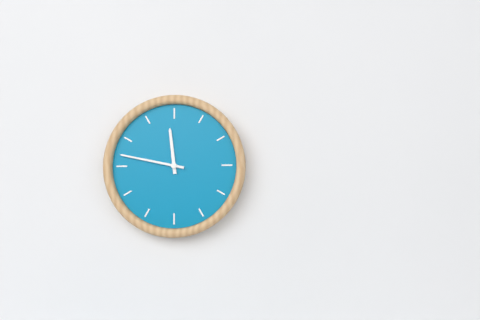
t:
11:47
